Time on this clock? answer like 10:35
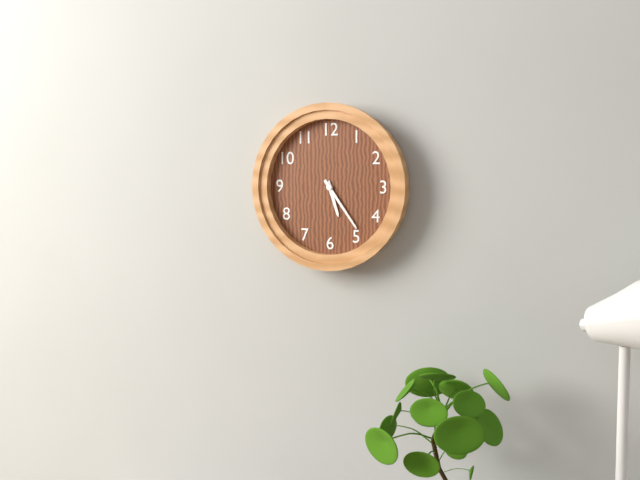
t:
5:24
